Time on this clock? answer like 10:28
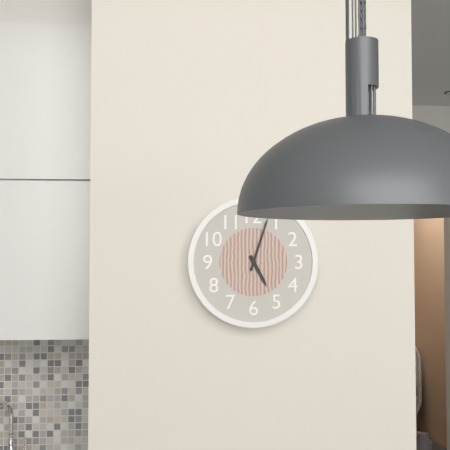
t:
5:03
